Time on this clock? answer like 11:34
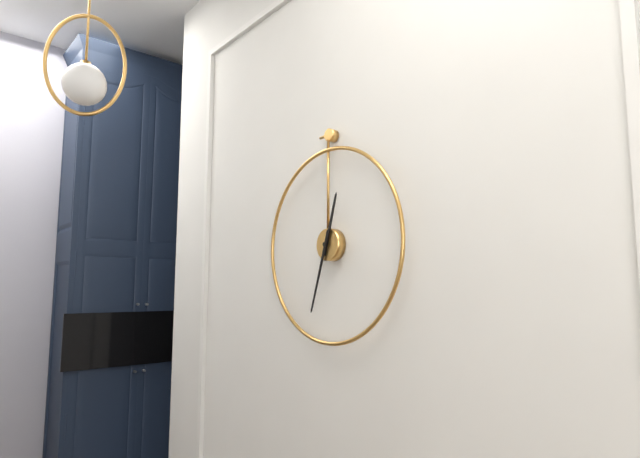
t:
12:33
